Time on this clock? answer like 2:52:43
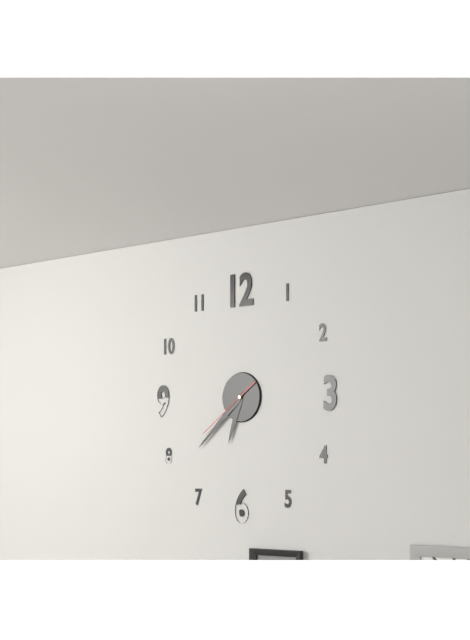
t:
6:38:39
